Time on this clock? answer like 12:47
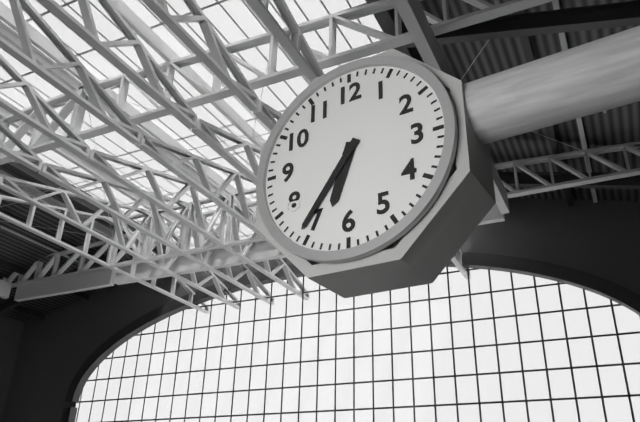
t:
6:36
